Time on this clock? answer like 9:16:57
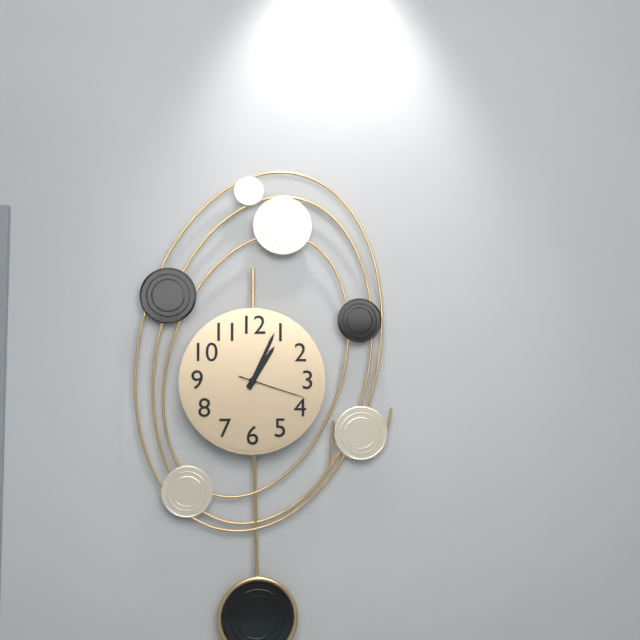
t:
1:04:18
